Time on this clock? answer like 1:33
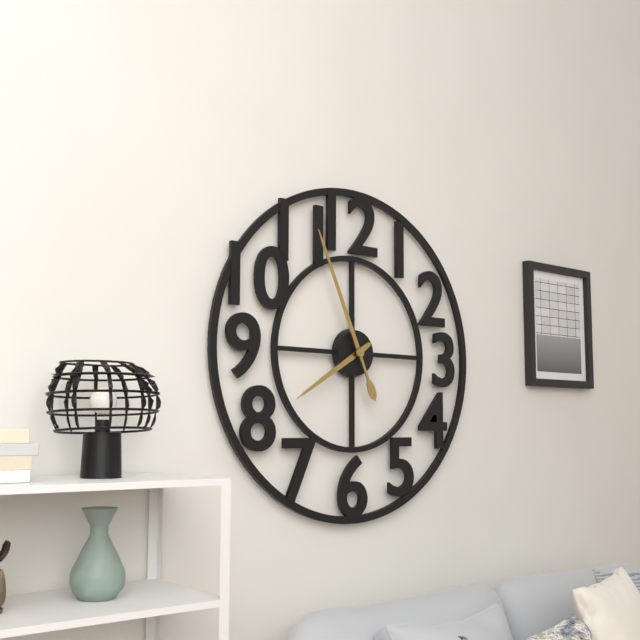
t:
7:56
